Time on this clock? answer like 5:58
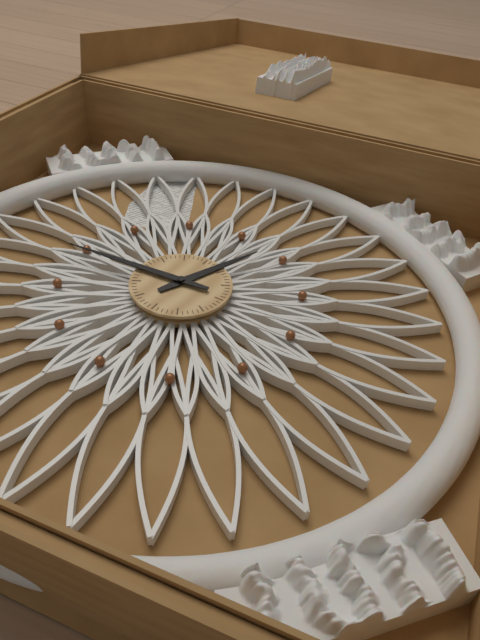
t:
12:44
